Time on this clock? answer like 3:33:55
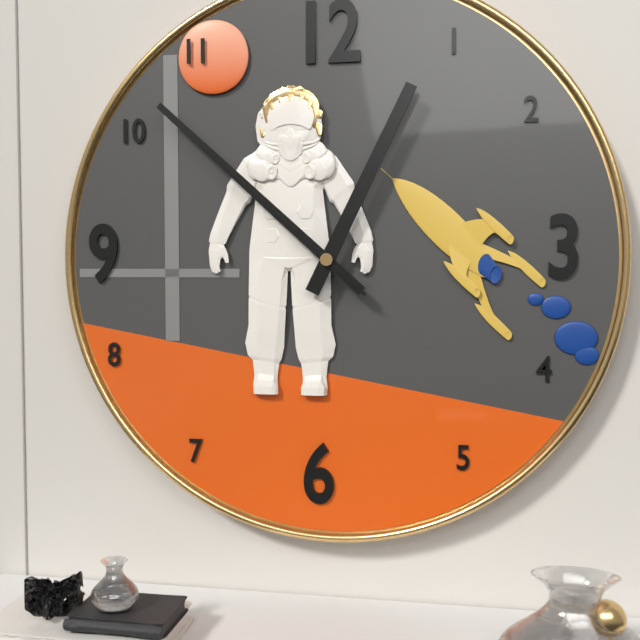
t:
12:52:52
